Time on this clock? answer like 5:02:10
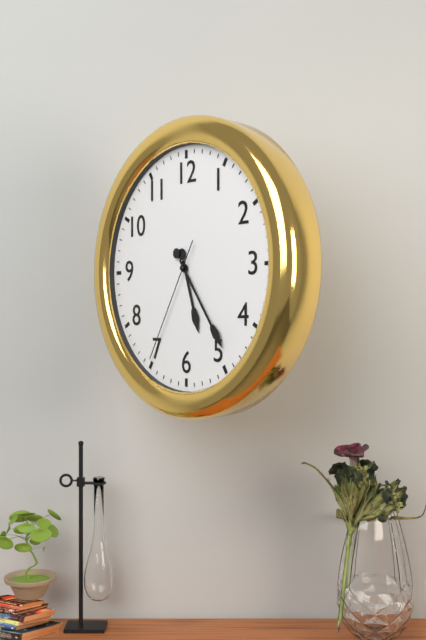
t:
5:24:35
